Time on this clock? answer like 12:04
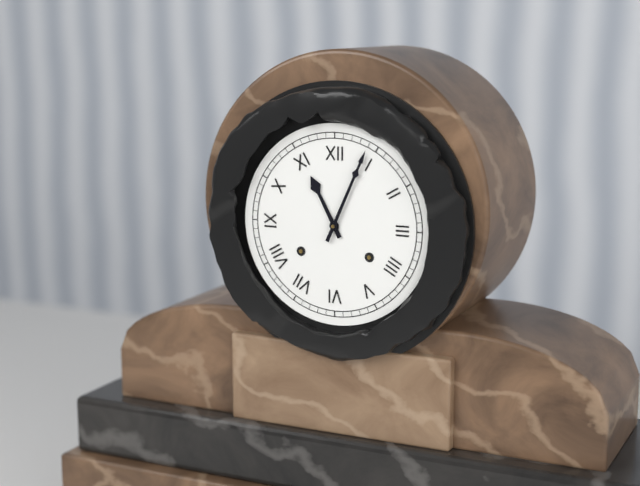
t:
11:04
